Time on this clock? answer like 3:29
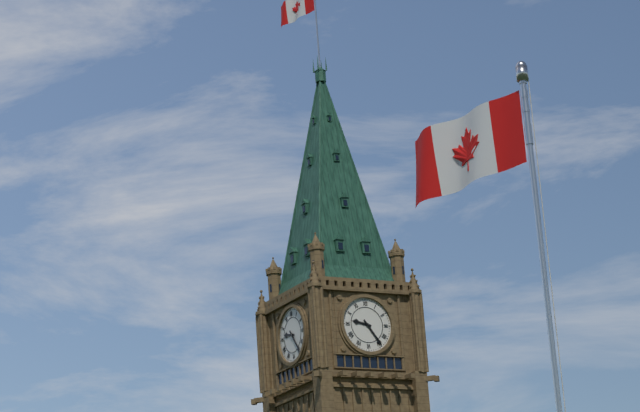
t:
9:24
